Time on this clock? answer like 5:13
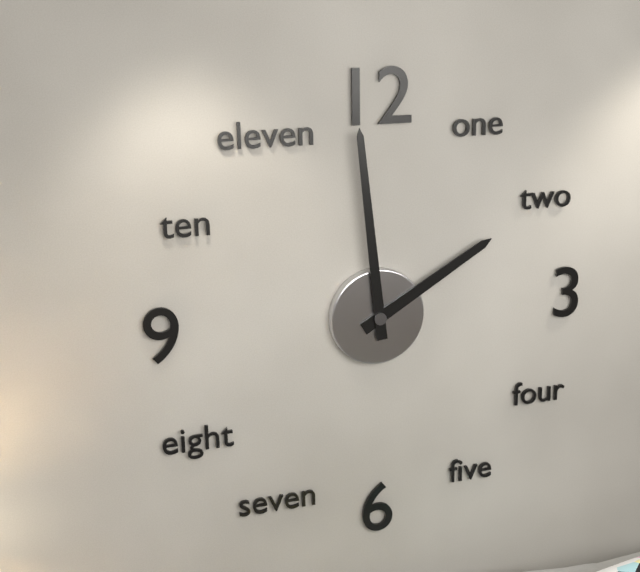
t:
1:59
